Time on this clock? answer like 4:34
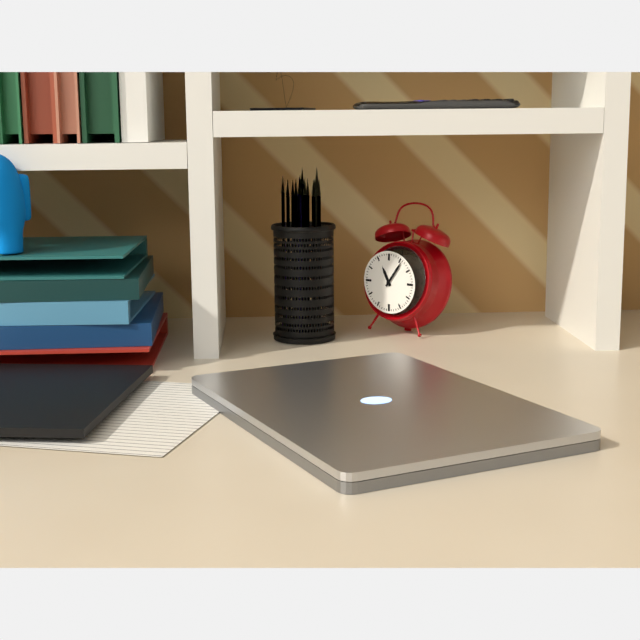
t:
11:06
